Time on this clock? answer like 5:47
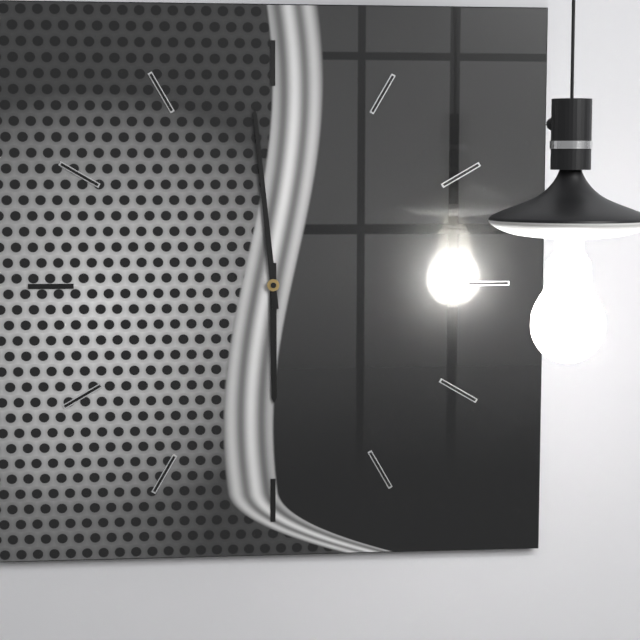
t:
5:59
